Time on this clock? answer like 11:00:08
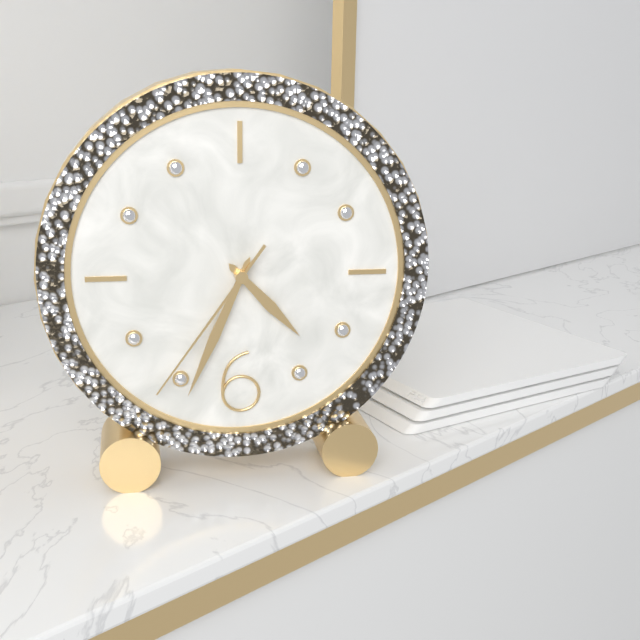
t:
4:34:36
